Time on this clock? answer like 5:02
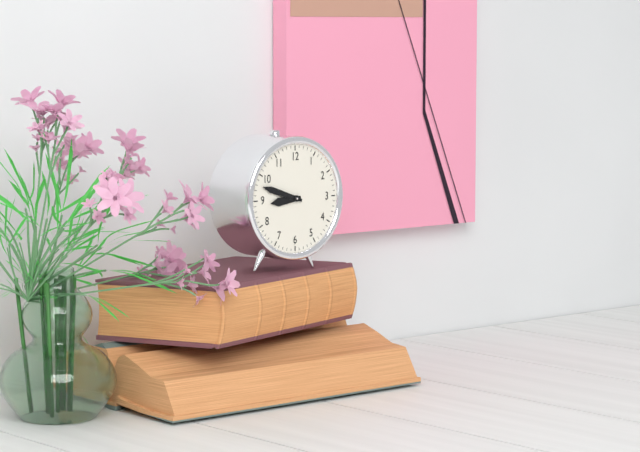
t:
8:48
